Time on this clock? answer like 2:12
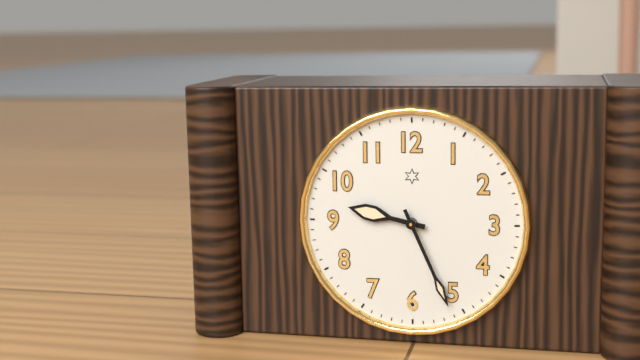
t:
9:26
